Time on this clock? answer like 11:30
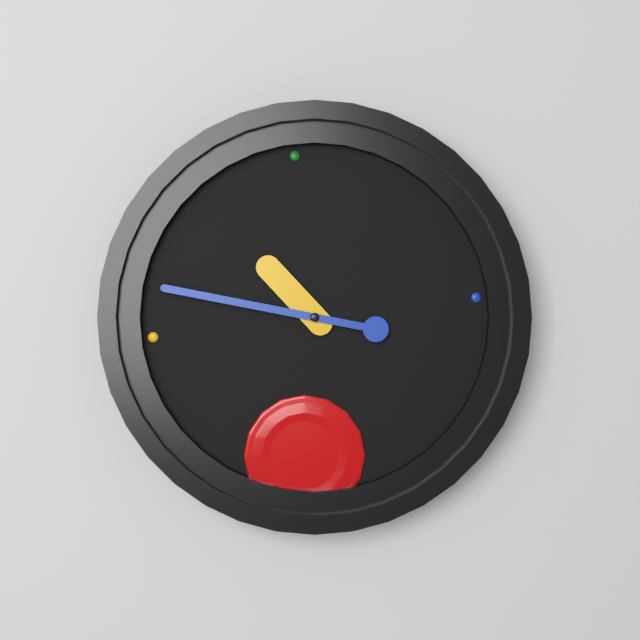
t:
10:48
